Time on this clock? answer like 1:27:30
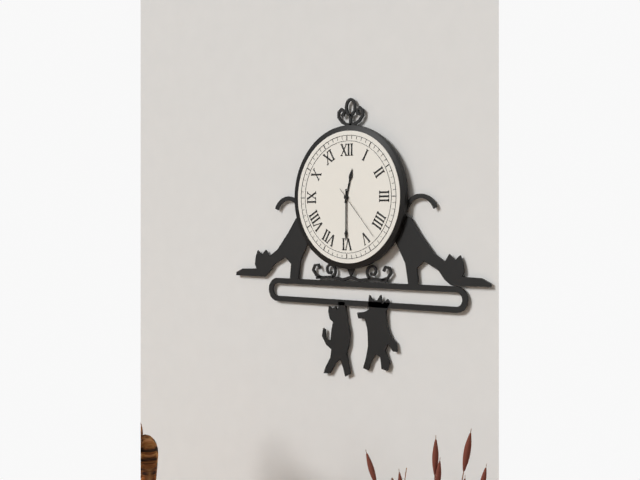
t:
12:30:23
